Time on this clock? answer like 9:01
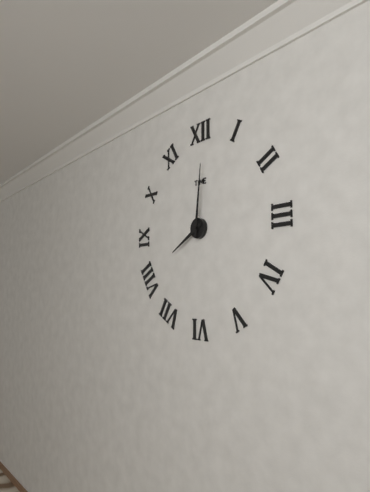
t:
8:01
